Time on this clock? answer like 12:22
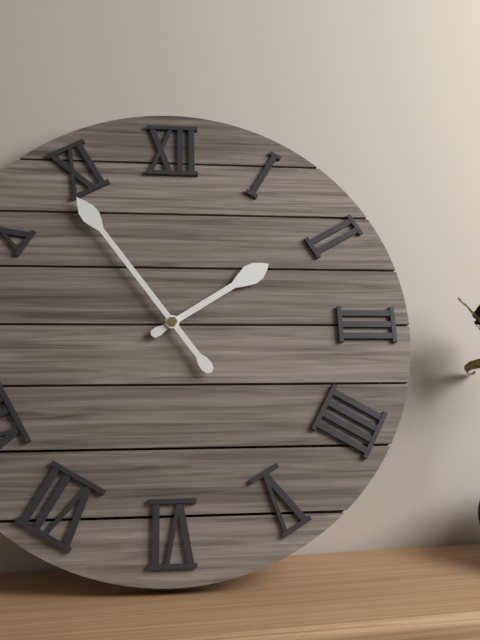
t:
1:54
